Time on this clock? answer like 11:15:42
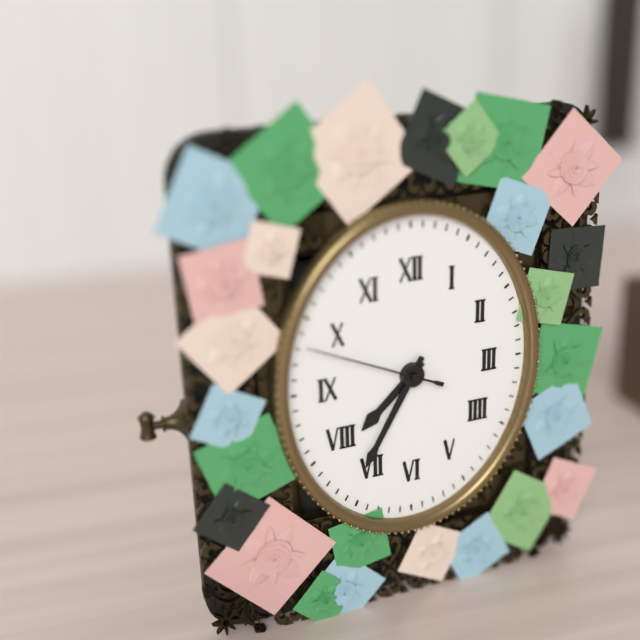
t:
7:35:49
